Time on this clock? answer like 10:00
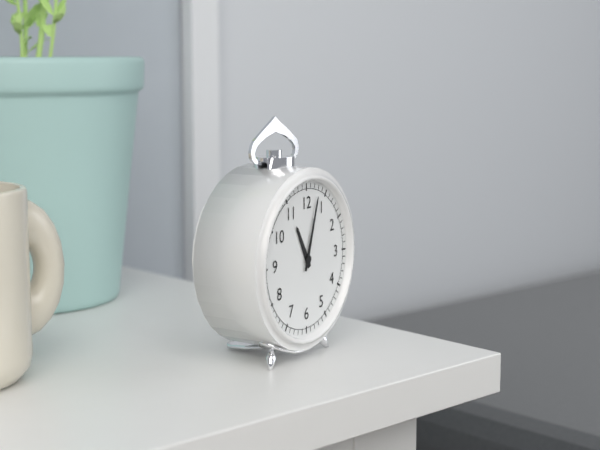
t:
11:03
